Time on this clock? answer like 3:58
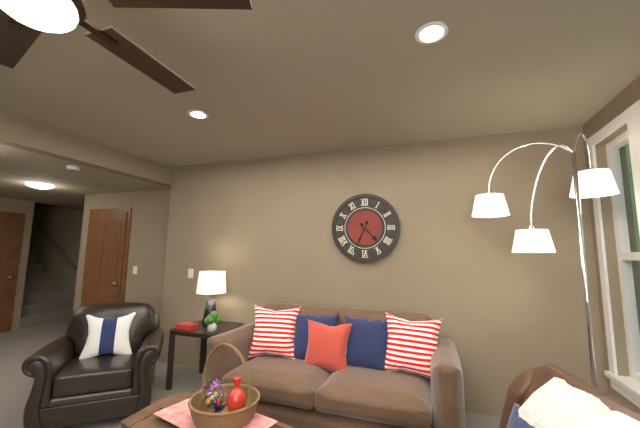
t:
4:34
